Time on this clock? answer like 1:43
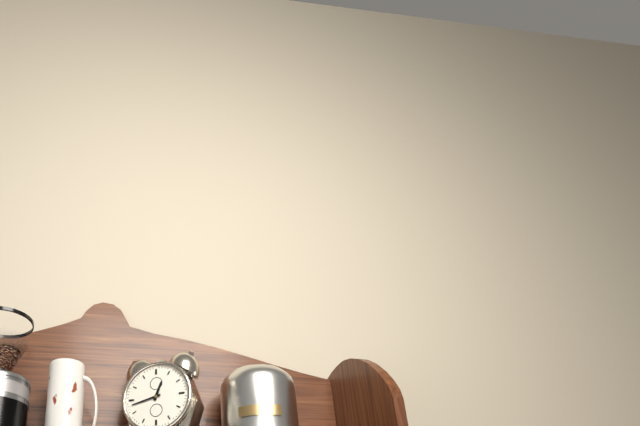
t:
12:43
